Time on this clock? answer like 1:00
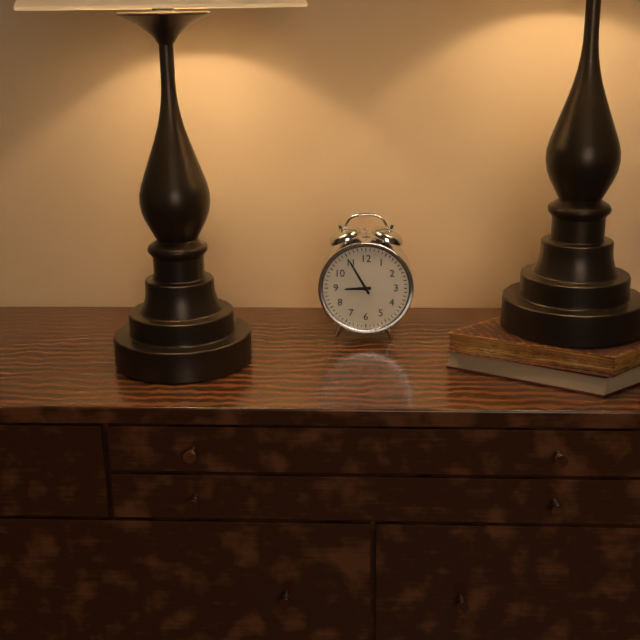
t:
8:55
